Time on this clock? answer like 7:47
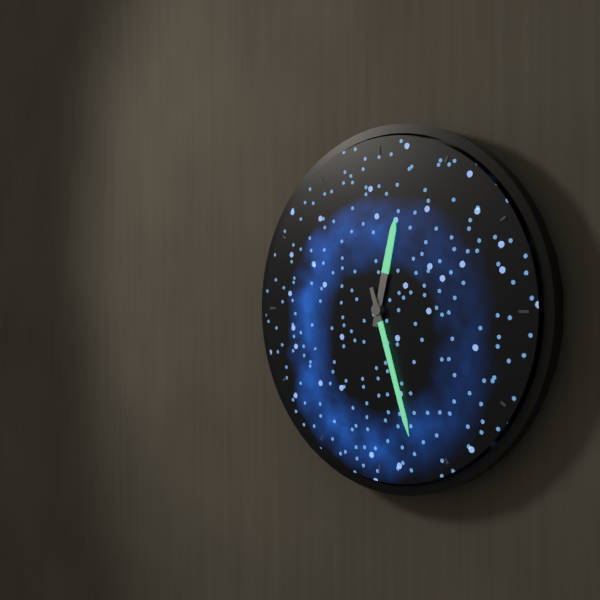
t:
12:27
